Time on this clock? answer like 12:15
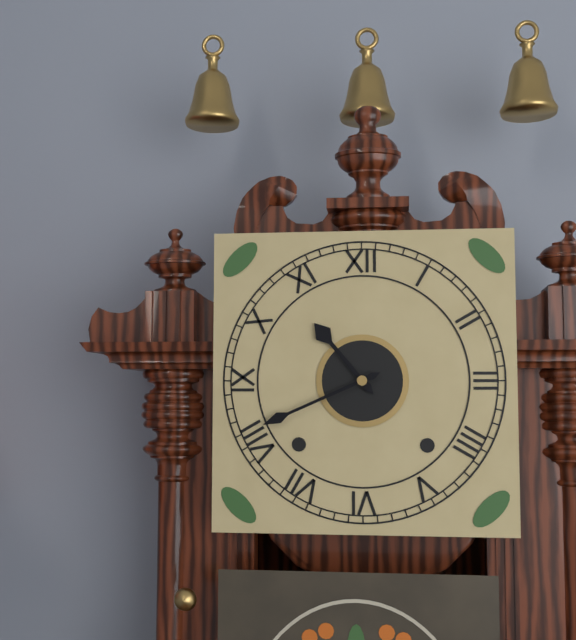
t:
10:41
